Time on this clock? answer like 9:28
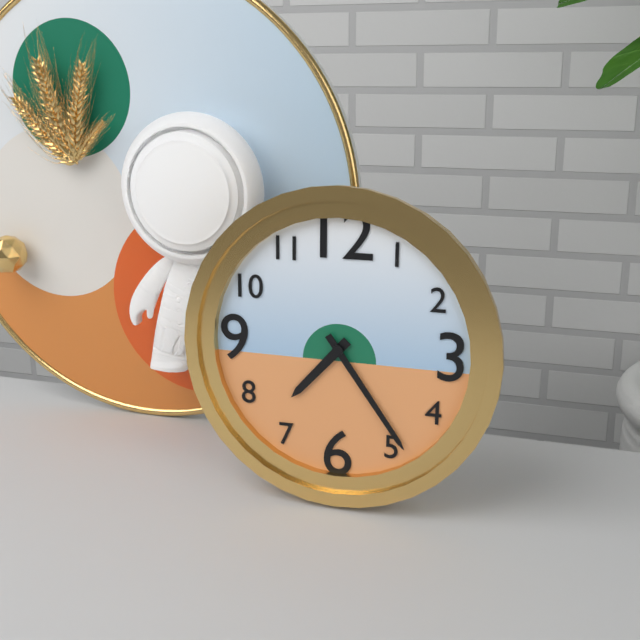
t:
7:24
